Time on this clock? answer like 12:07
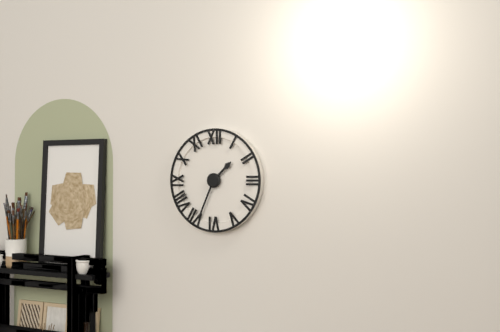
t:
1:34
